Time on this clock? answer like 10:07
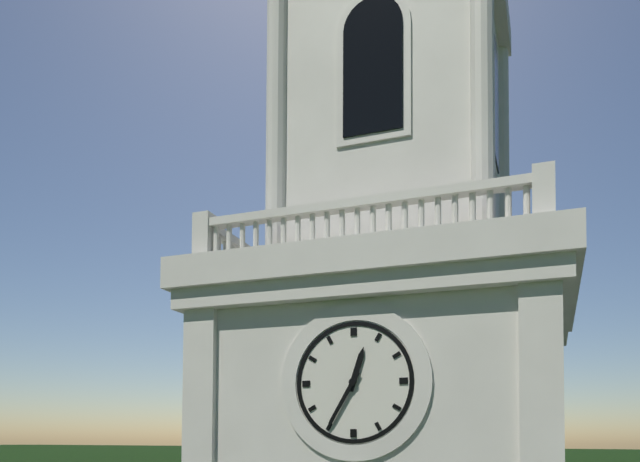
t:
12:35
